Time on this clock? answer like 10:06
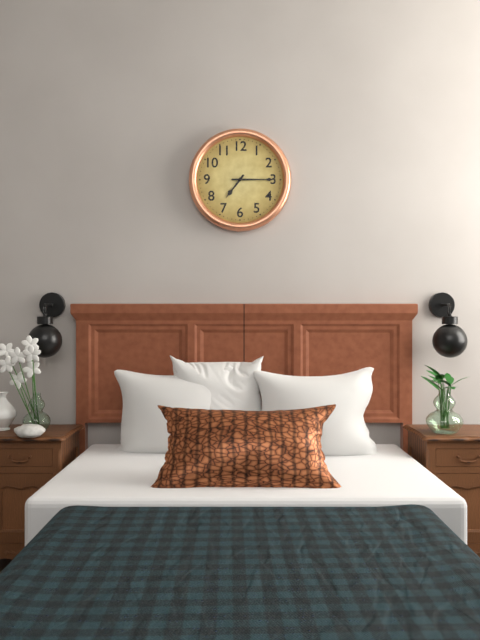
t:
7:15
